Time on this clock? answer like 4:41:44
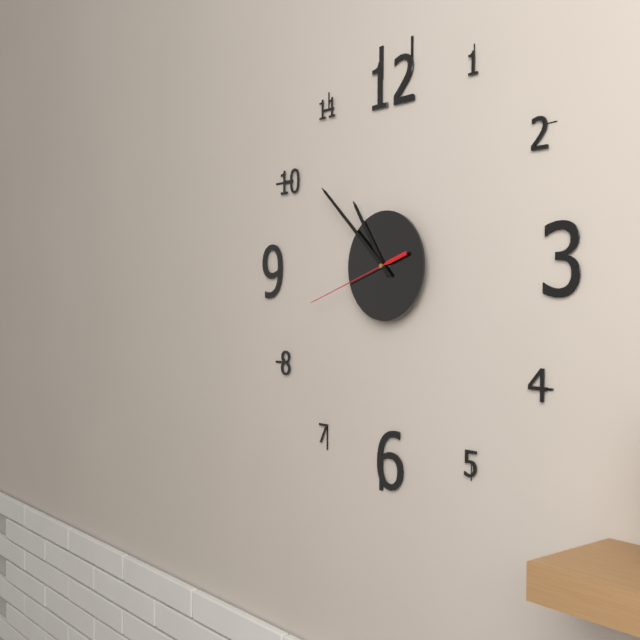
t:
10:52:42
